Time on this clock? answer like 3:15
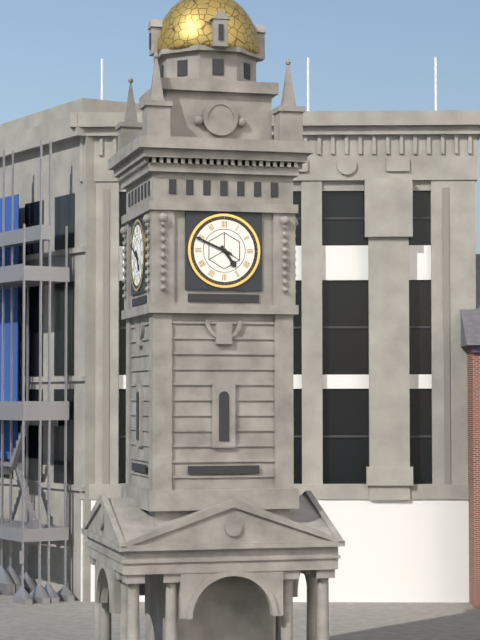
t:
4:49
